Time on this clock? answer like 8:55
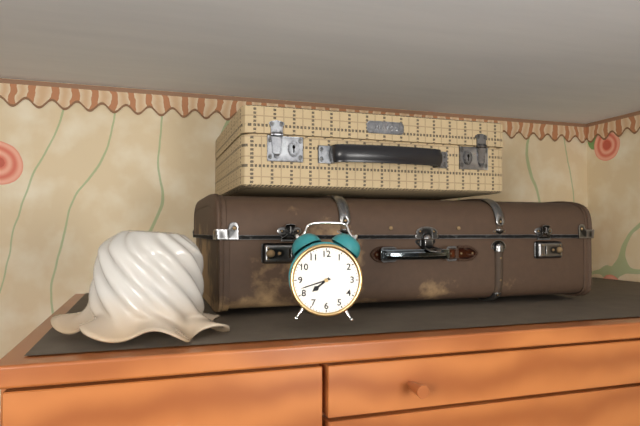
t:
7:42
